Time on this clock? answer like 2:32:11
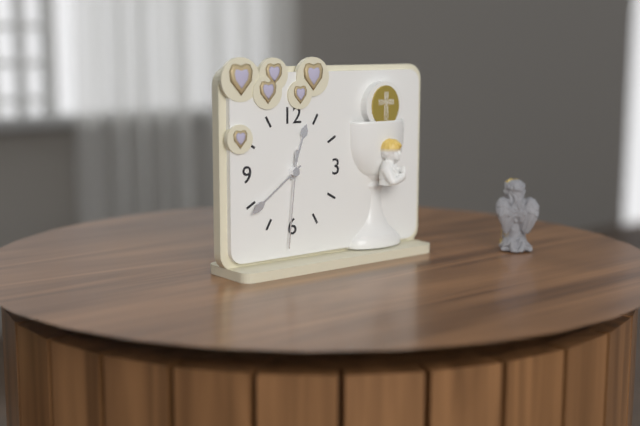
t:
12:39:31
